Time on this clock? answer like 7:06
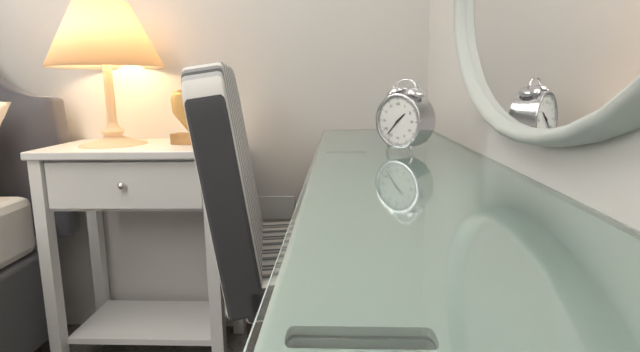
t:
1:37
